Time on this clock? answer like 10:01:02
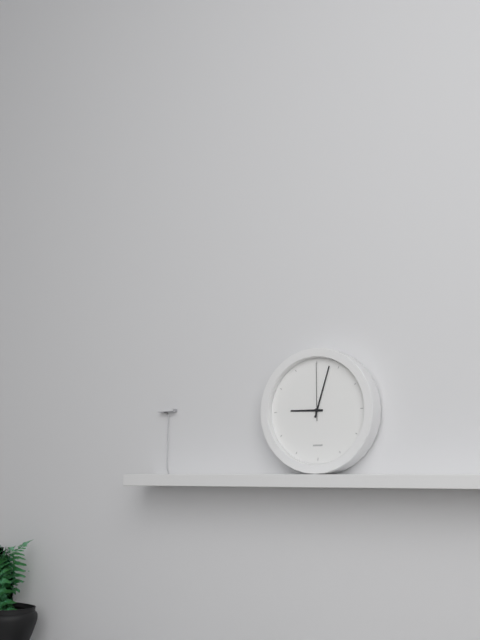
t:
9:03:00
